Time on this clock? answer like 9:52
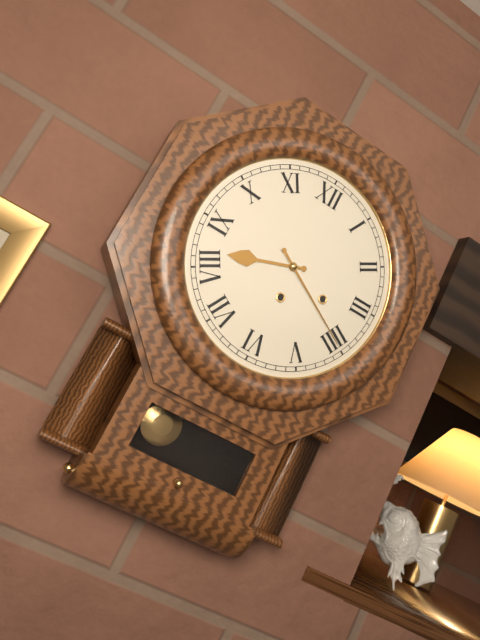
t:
8:20
